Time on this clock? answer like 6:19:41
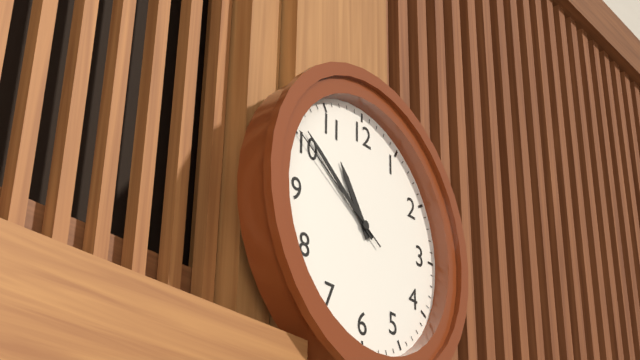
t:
10:51:50
